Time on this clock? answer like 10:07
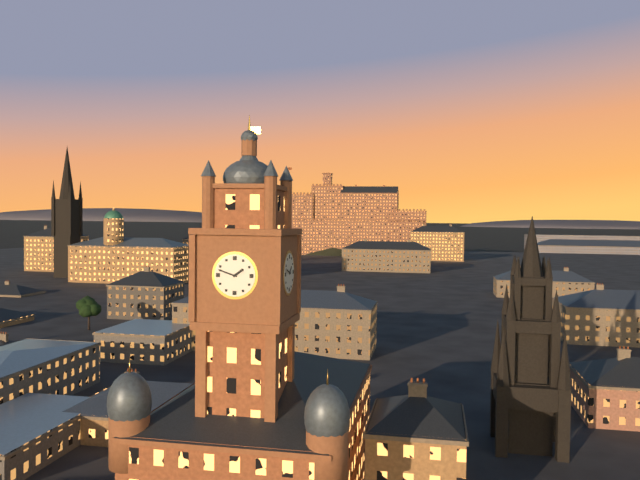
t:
1:48
